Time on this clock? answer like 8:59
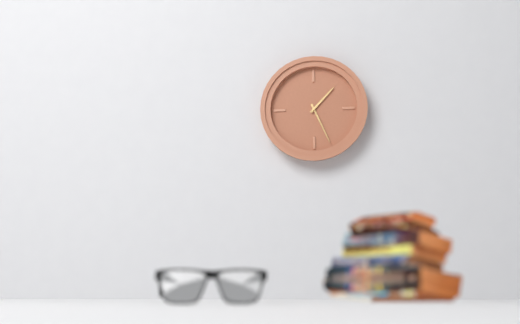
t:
1:26
